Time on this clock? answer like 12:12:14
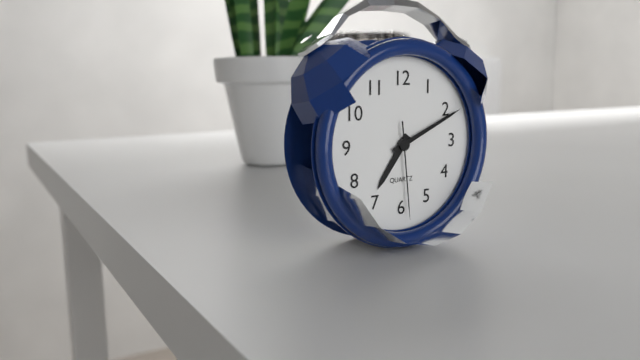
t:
7:11:29
